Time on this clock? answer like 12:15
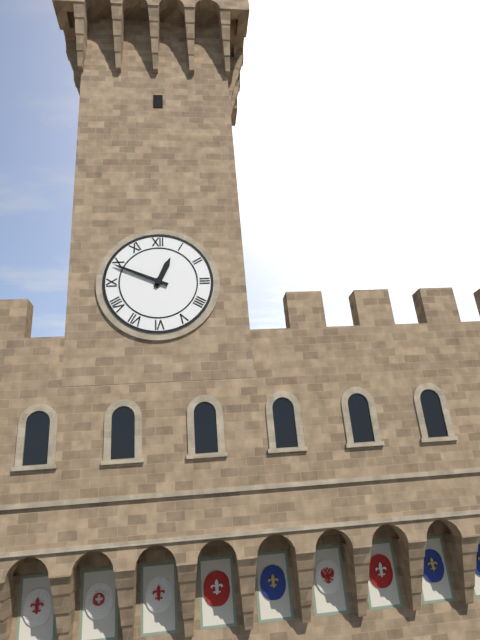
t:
12:49
